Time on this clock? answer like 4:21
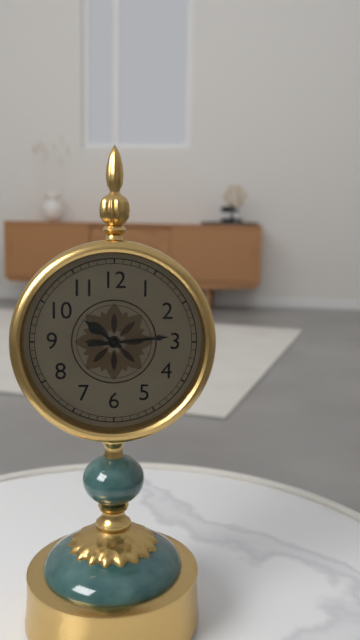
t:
10:14
